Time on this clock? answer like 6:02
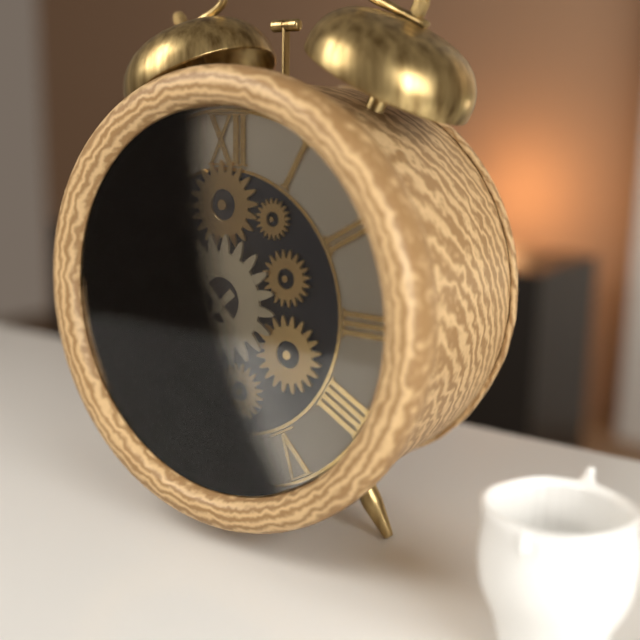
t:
10:38
